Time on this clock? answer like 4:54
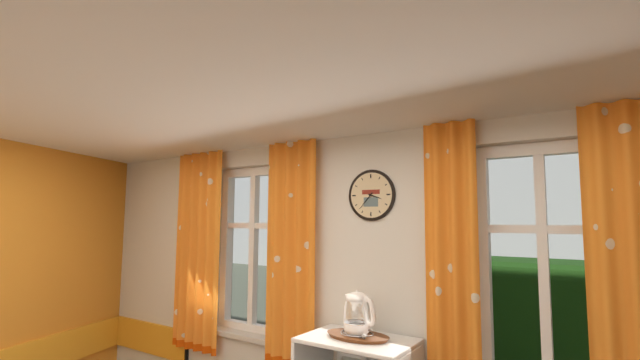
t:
3:37
